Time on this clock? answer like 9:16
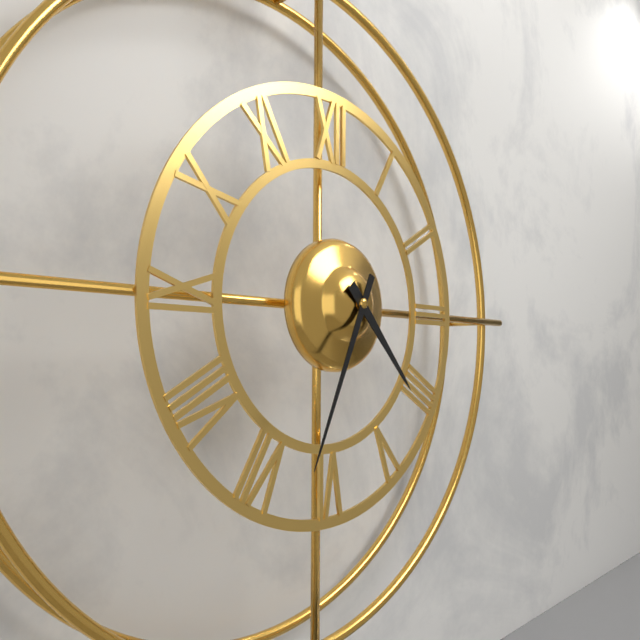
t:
4:34
